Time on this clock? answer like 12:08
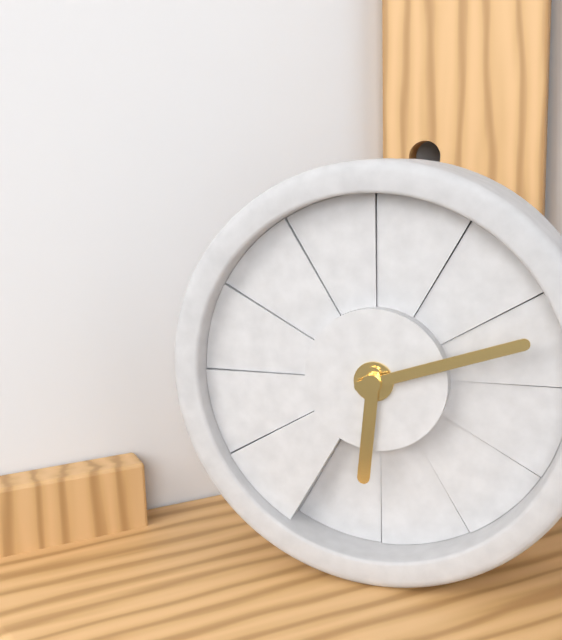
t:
6:12
